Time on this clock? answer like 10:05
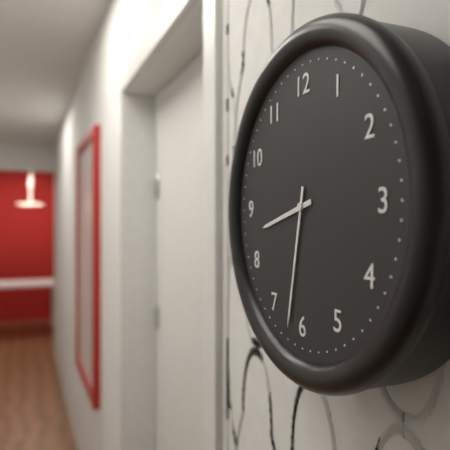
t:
8:32
